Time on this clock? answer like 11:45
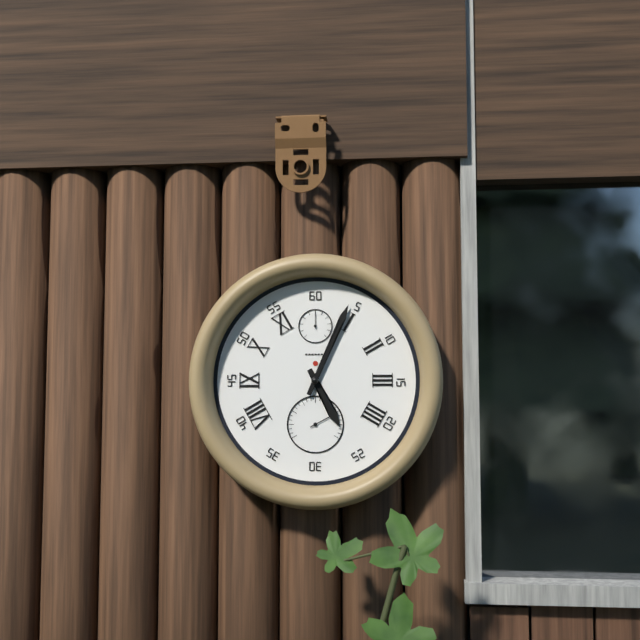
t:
5:04
